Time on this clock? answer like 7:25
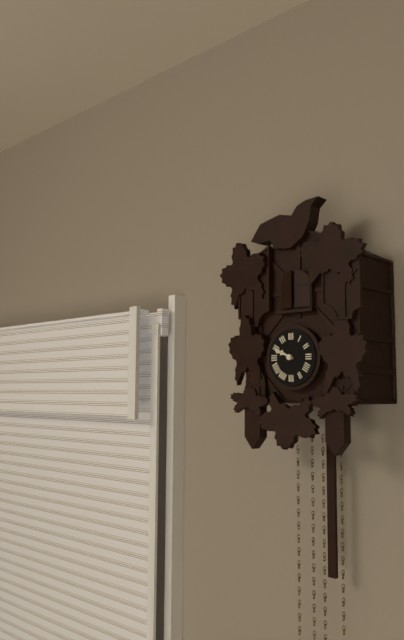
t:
9:49
